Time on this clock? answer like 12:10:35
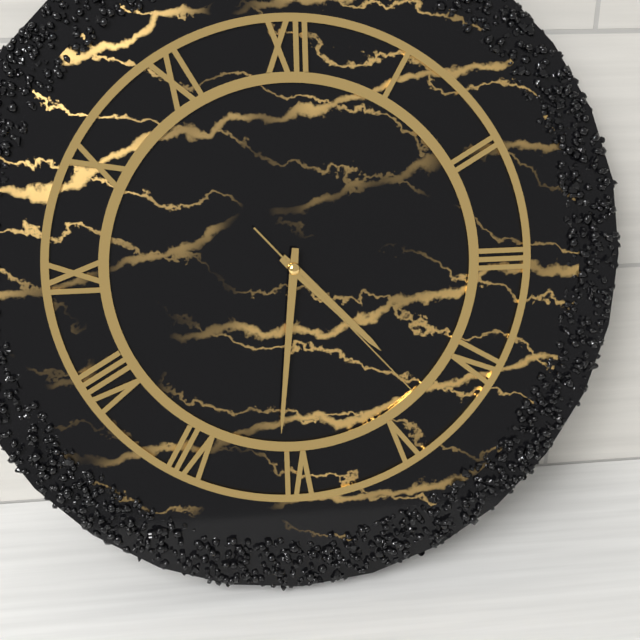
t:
4:31:23
